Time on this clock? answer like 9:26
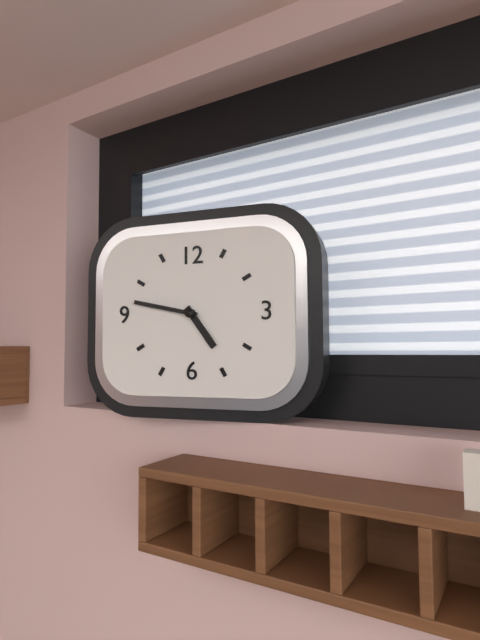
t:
4:47
